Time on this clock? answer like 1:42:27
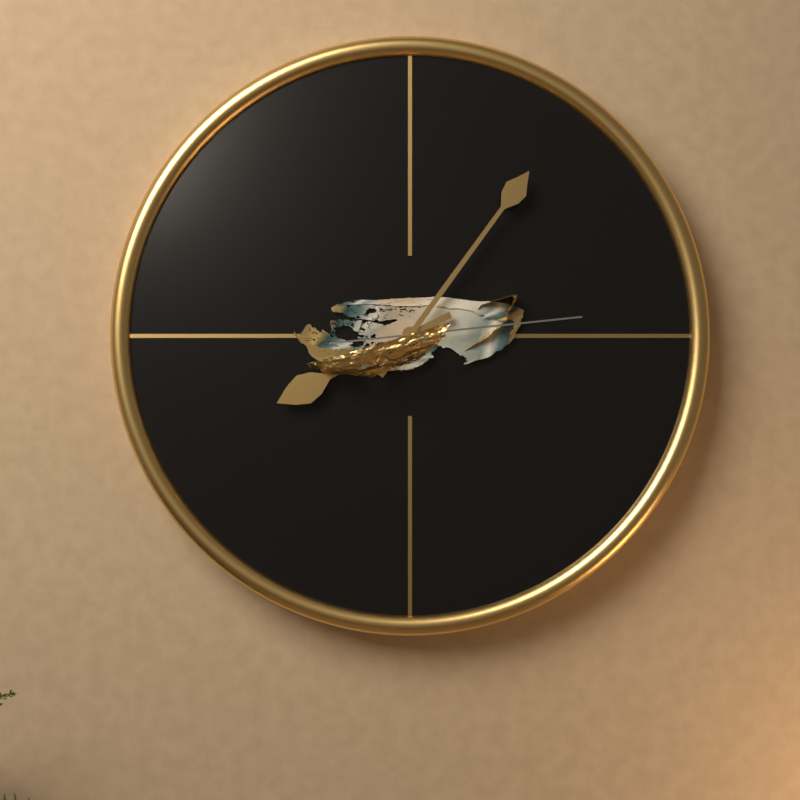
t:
8:06:14
